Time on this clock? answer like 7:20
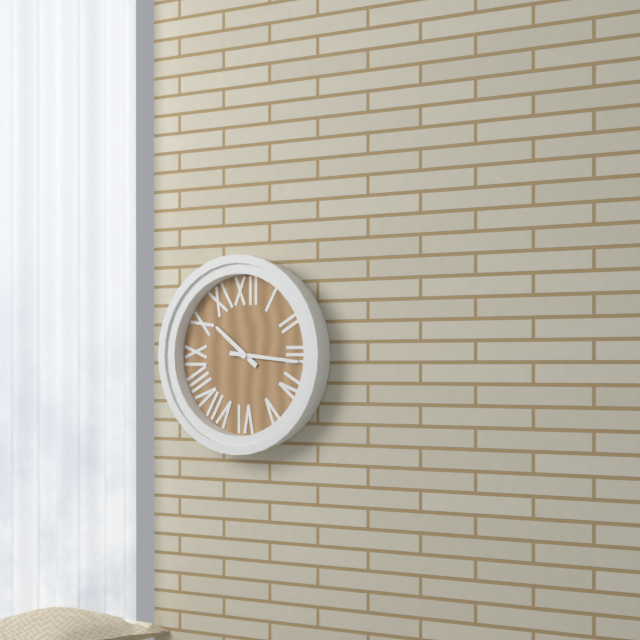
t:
10:16
